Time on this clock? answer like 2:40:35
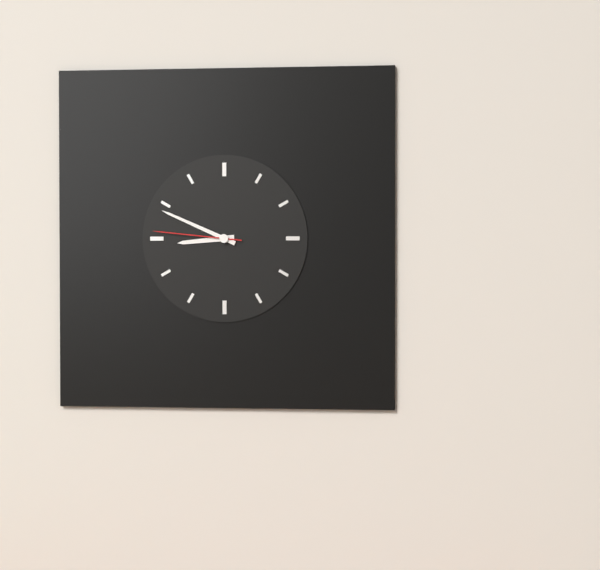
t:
8:49:46
